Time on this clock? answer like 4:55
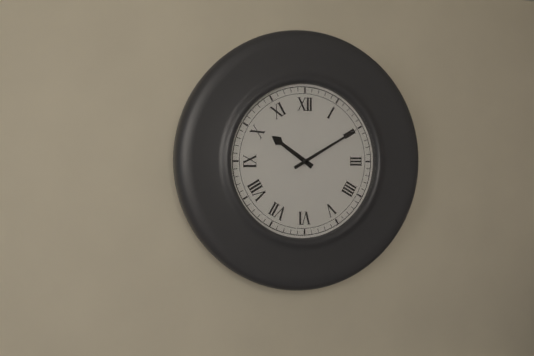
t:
10:10
